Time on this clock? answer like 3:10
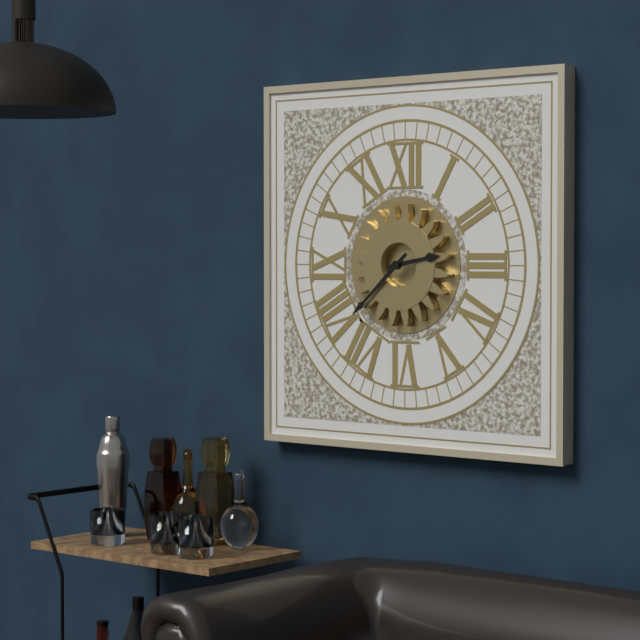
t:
2:38
